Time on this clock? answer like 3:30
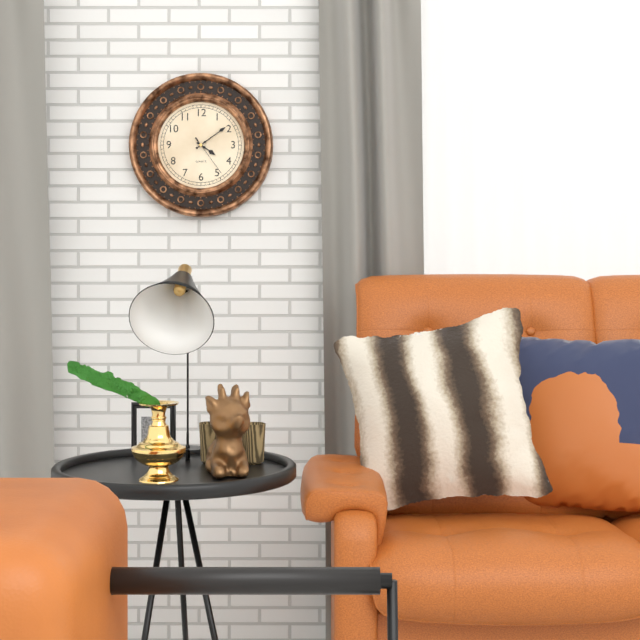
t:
4:09
